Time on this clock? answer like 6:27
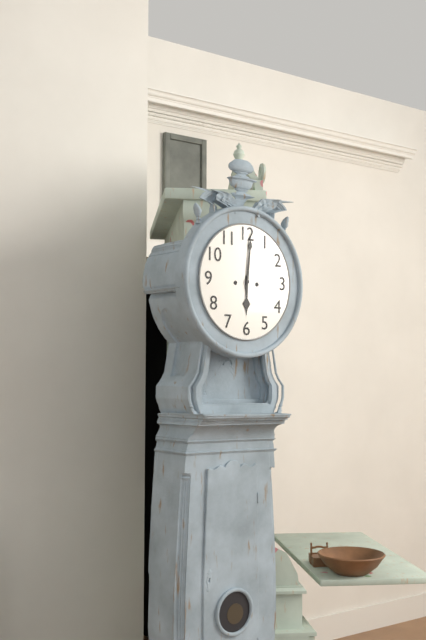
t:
6:01
